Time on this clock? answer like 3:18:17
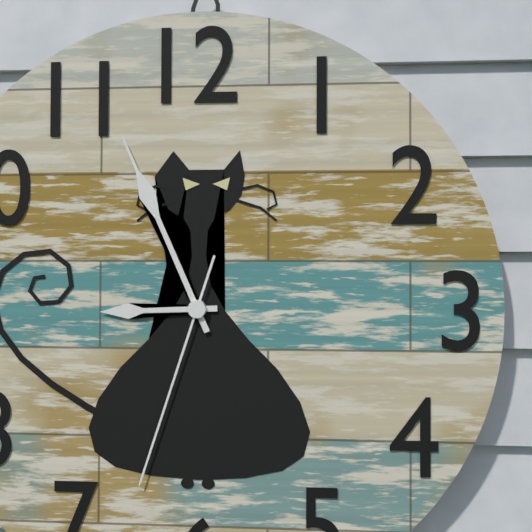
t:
8:56:33
